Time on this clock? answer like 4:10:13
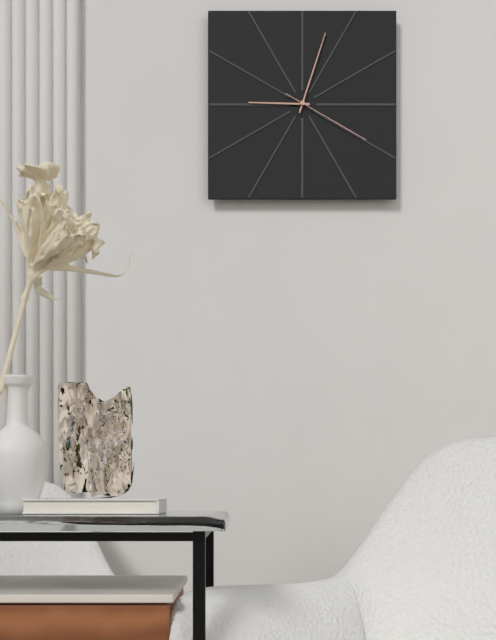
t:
9:03:20
